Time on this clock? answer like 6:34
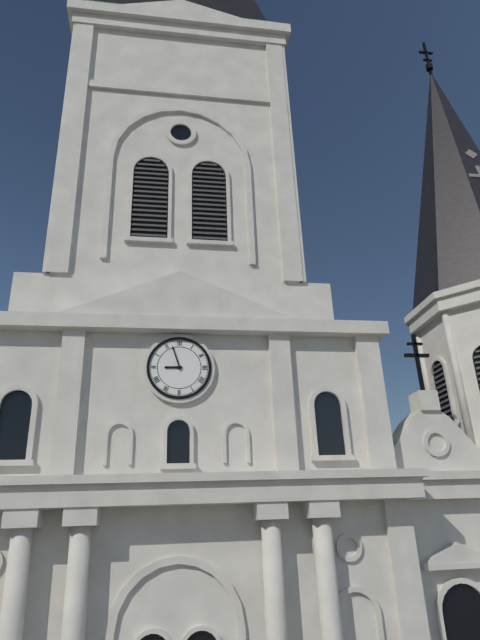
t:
8:57
